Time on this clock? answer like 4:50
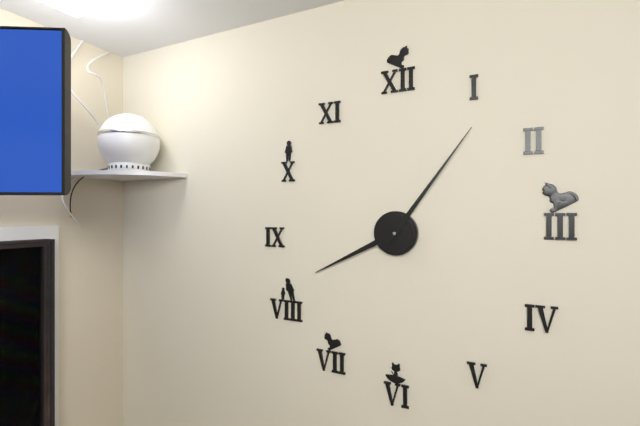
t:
8:06
